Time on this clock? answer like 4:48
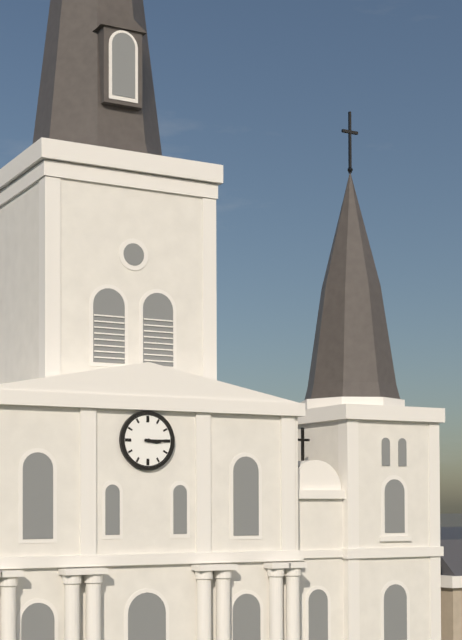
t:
3:15
